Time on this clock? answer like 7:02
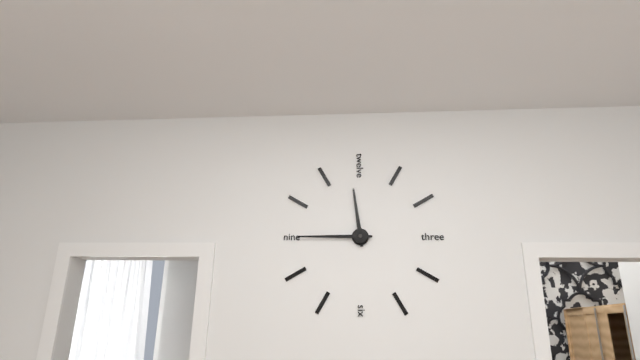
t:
11:45
